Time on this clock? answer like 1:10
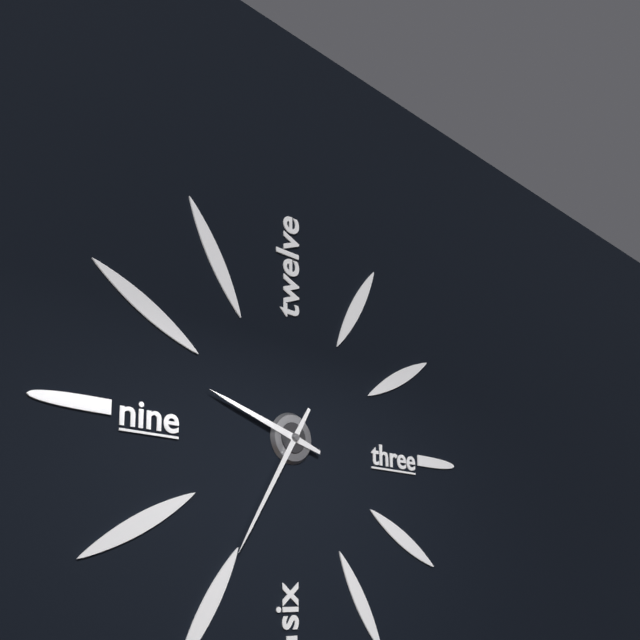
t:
9:35
